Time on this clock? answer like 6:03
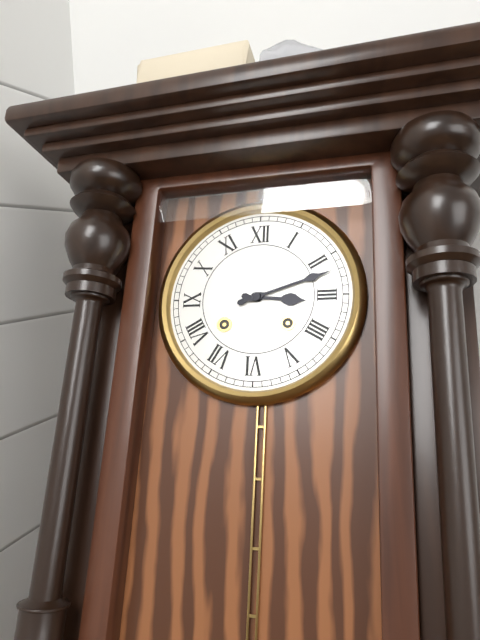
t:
3:12
